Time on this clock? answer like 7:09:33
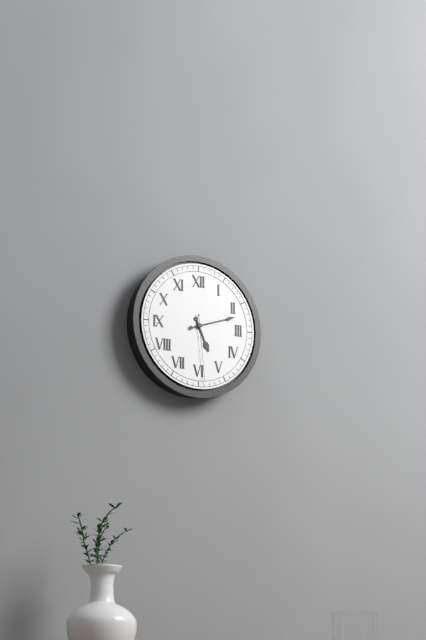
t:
5:12:29
